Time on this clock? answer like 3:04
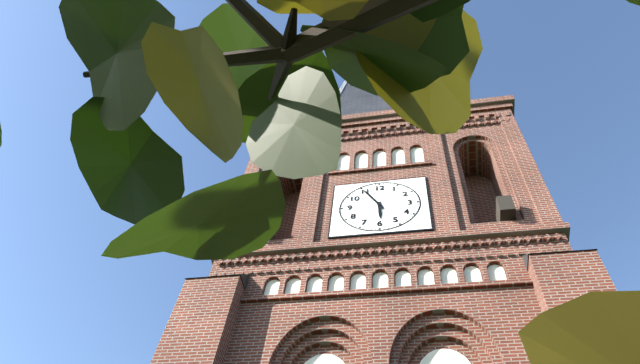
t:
5:55
